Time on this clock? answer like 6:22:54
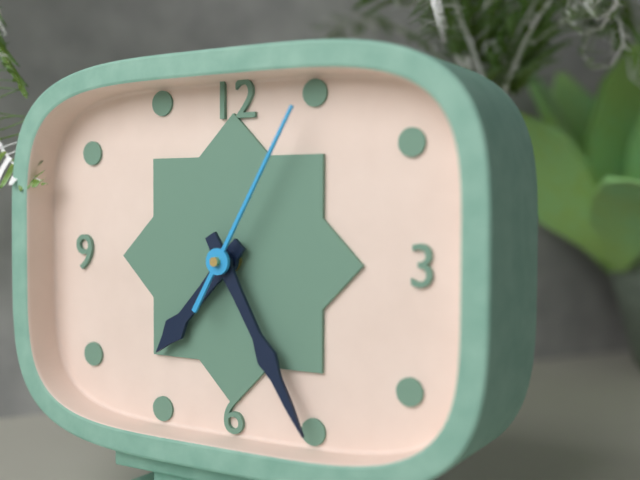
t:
7:25:05
